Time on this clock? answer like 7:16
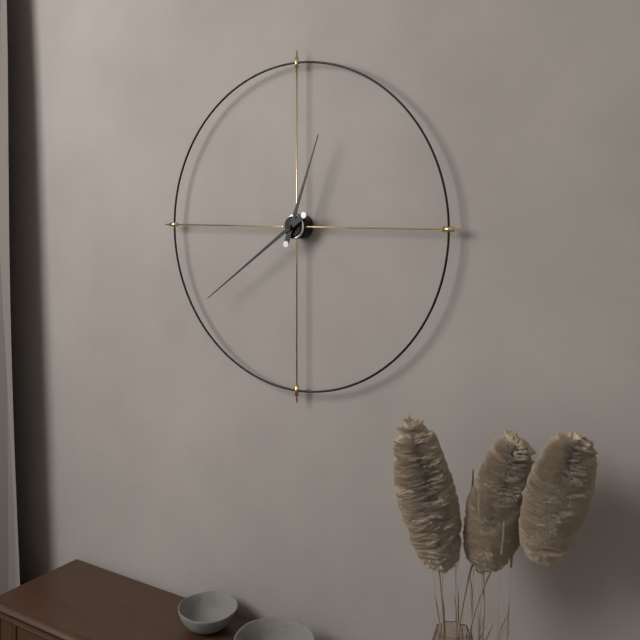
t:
12:39
